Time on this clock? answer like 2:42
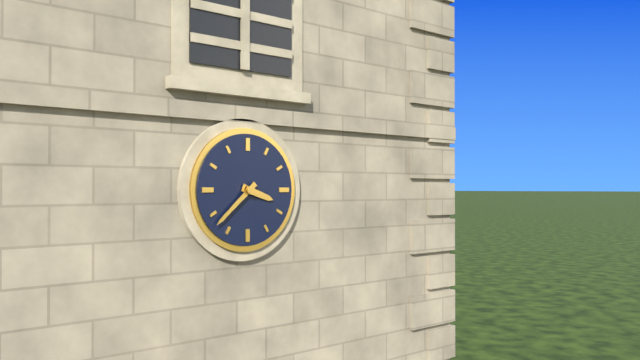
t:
3:38
